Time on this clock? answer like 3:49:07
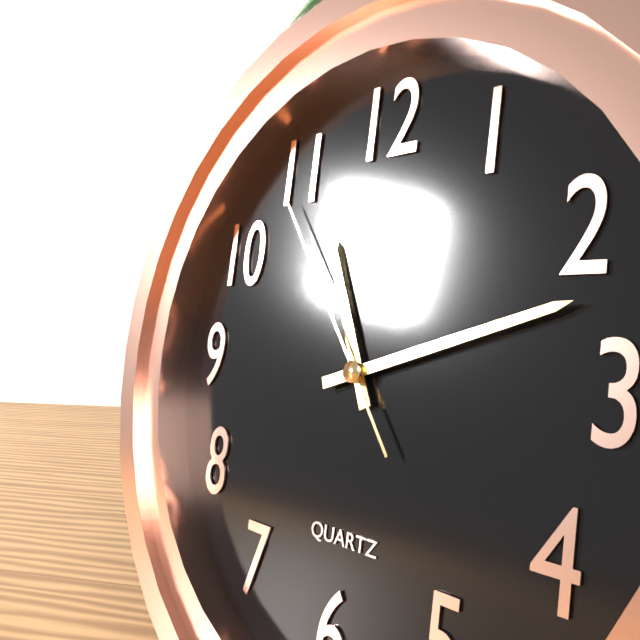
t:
11:12:54
